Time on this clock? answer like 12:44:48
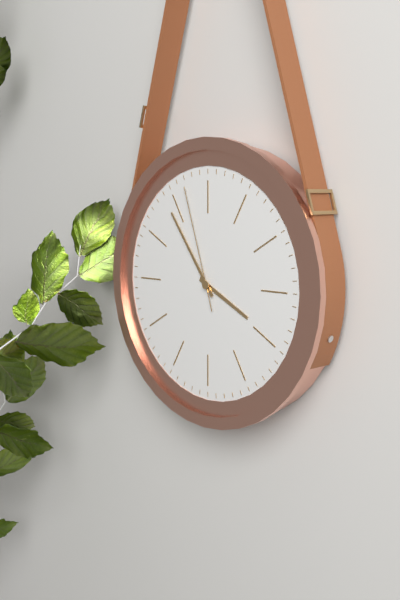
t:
3:54:57
